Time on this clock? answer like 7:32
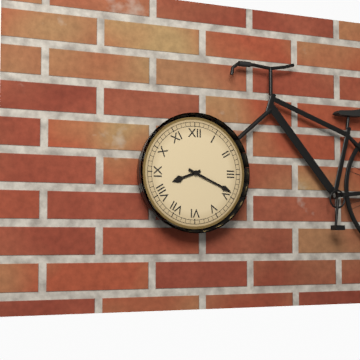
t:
8:19
